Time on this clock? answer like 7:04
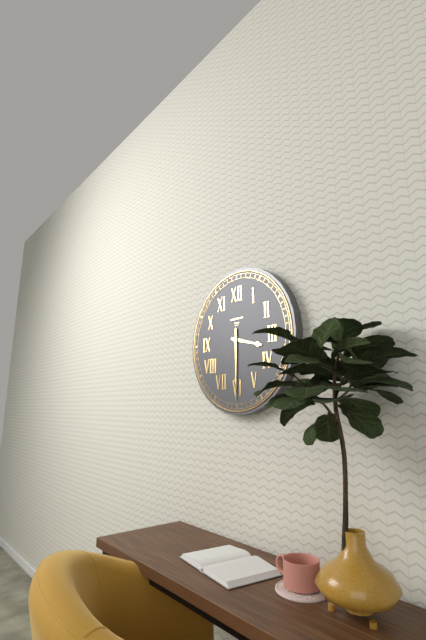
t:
3:30
